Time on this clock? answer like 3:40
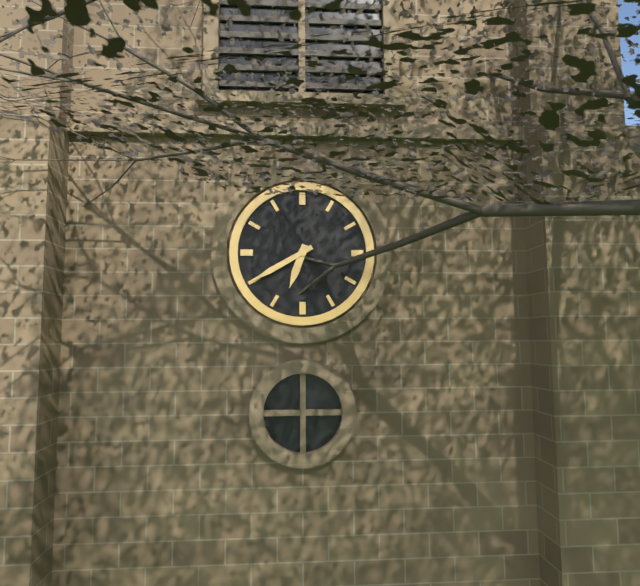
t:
6:40
